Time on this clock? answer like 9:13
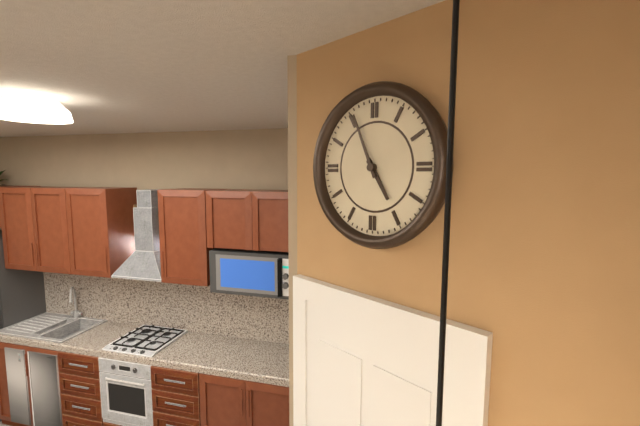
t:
4:56
